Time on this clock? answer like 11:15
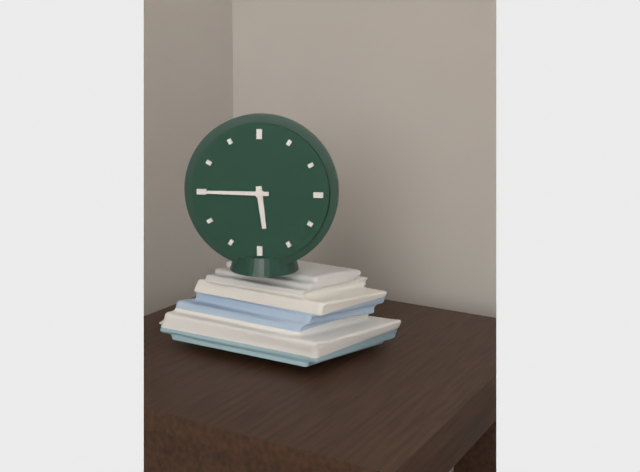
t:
5:45
